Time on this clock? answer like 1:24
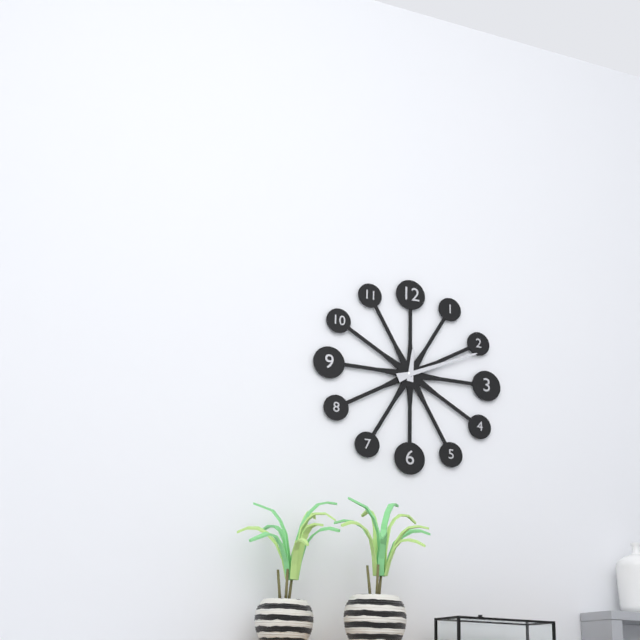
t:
12:11
